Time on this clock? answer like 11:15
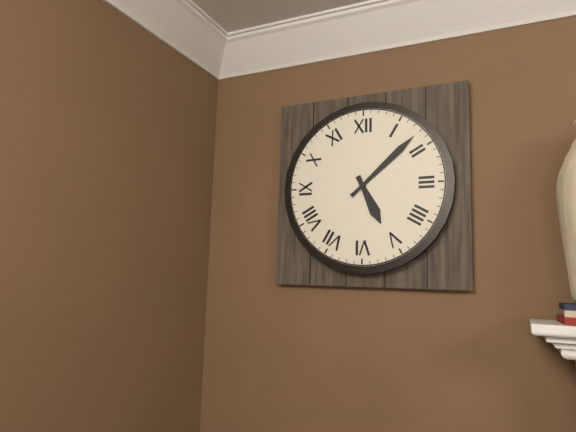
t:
5:08
